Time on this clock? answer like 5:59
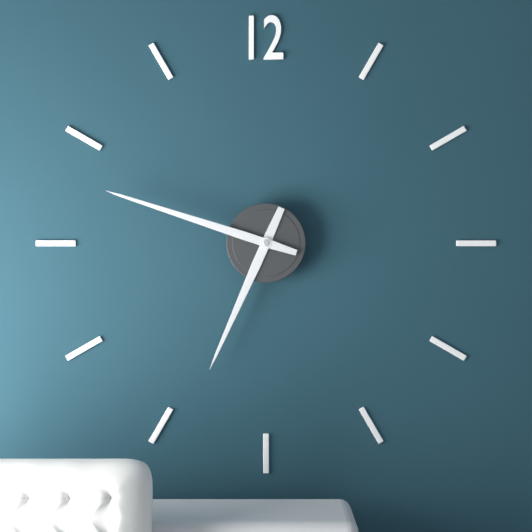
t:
6:48
